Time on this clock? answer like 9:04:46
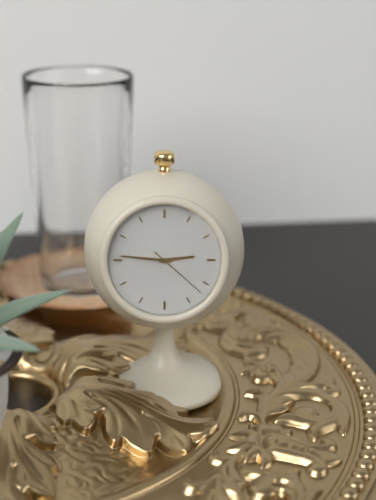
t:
2:46:22
